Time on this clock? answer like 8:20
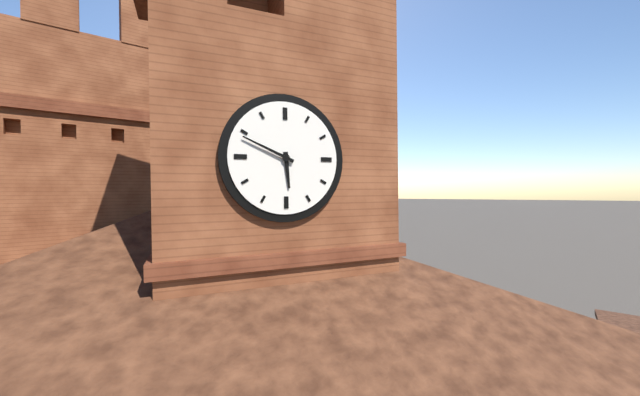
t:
5:49
